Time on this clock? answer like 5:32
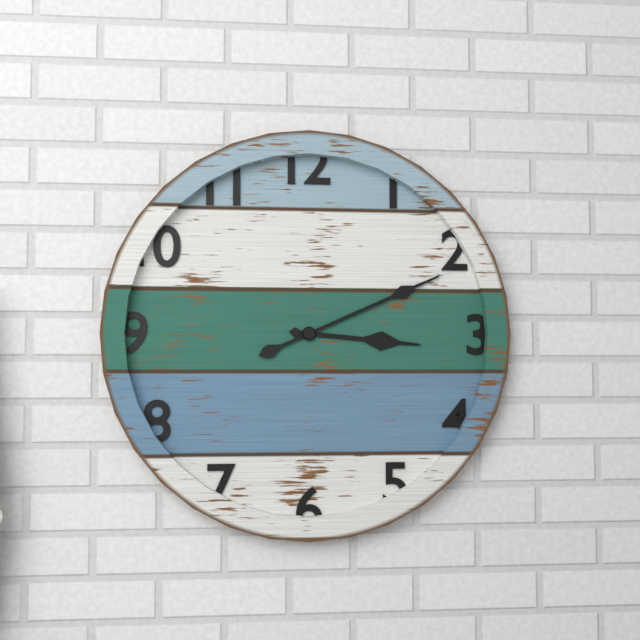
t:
3:11
